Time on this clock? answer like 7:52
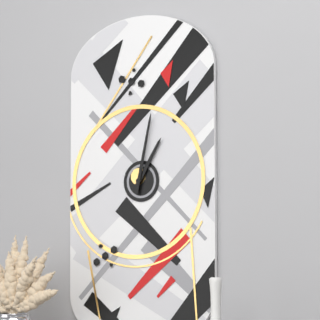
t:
1:02
